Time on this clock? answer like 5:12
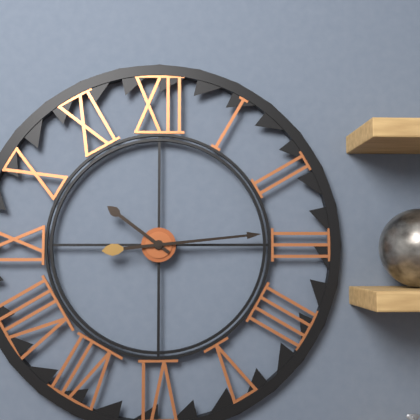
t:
10:14
